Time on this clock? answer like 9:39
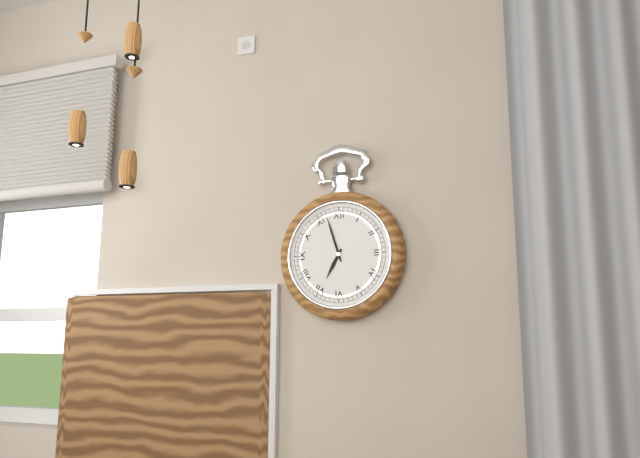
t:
6:57
